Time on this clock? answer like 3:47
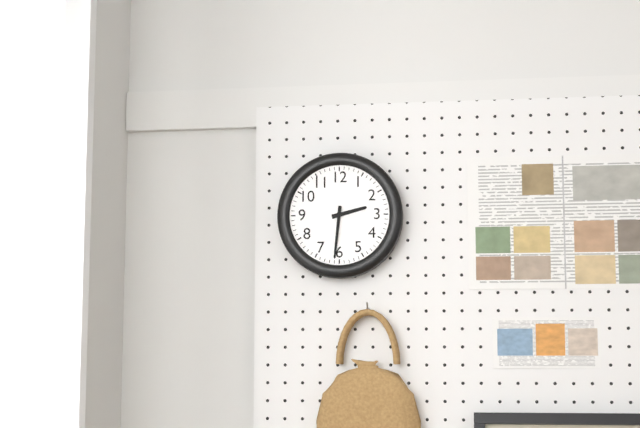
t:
2:31
